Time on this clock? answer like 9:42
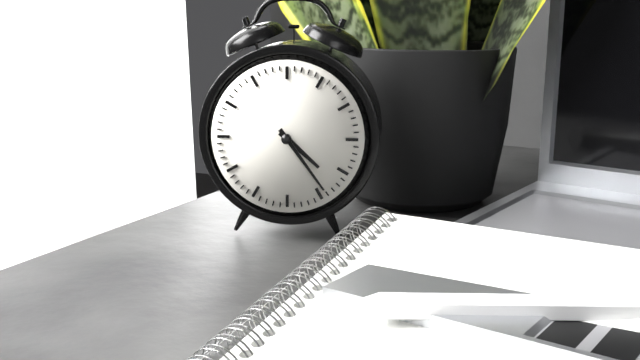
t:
4:24
